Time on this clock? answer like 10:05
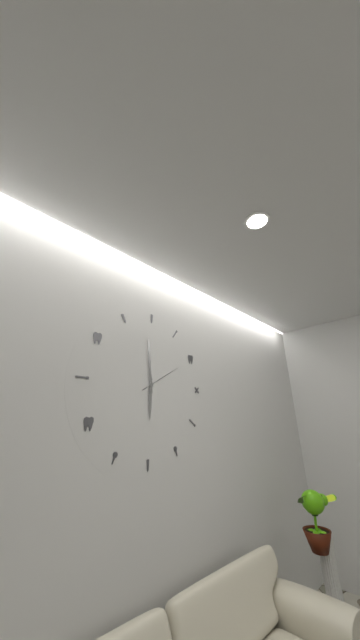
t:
5:59
